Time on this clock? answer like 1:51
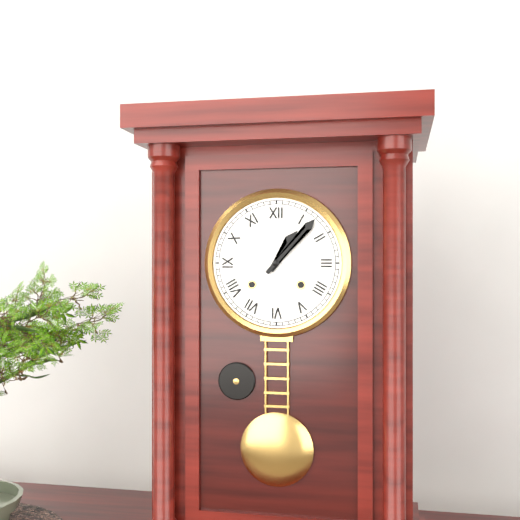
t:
1:07
